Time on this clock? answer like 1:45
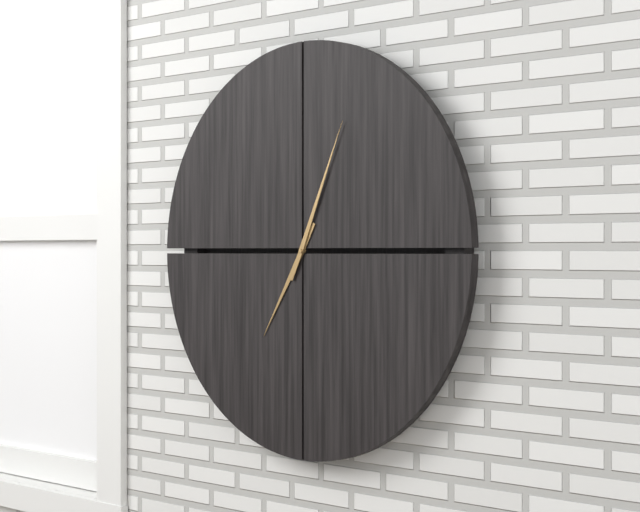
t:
7:04
